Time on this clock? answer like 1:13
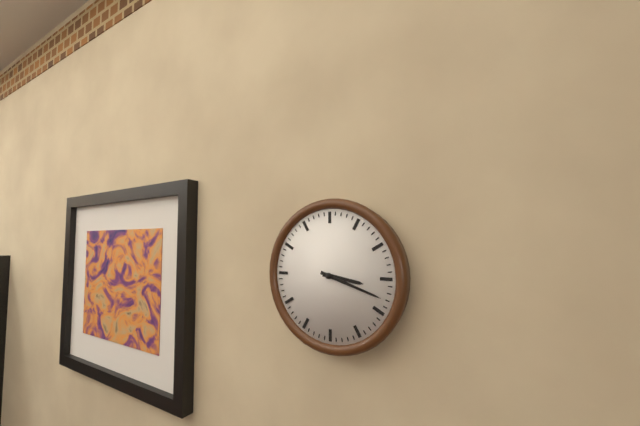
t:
3:18
